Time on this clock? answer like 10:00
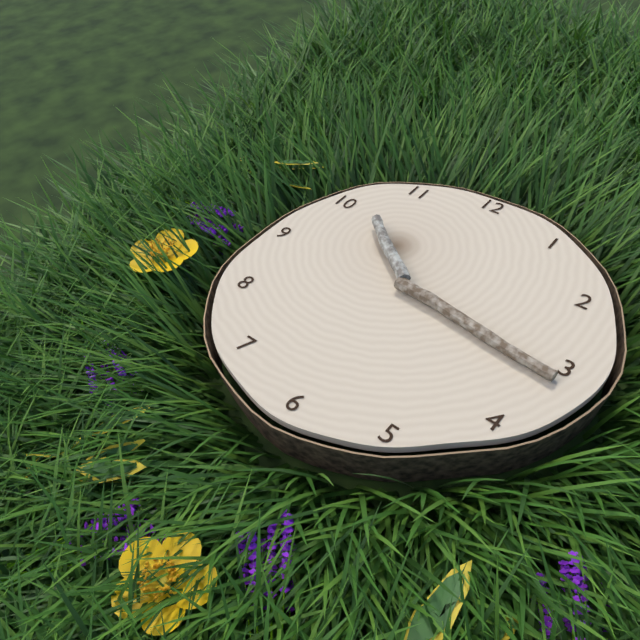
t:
10:16
